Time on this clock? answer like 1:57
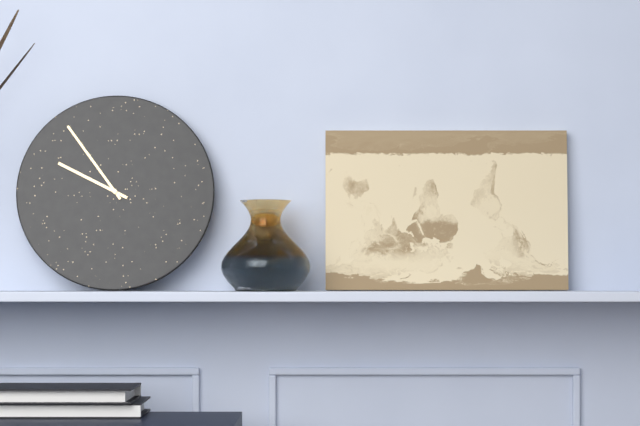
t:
9:54
